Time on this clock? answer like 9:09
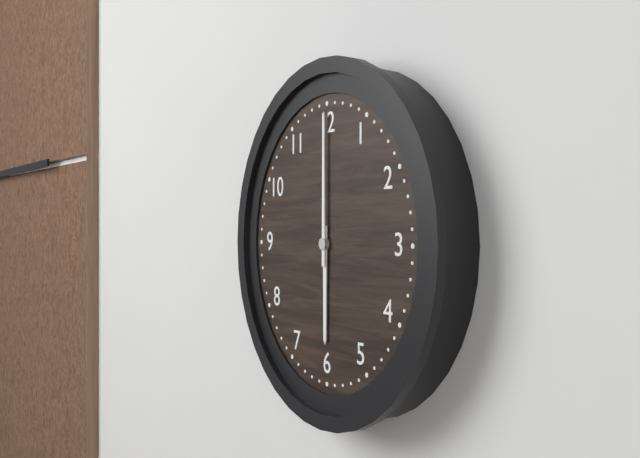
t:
6:00
